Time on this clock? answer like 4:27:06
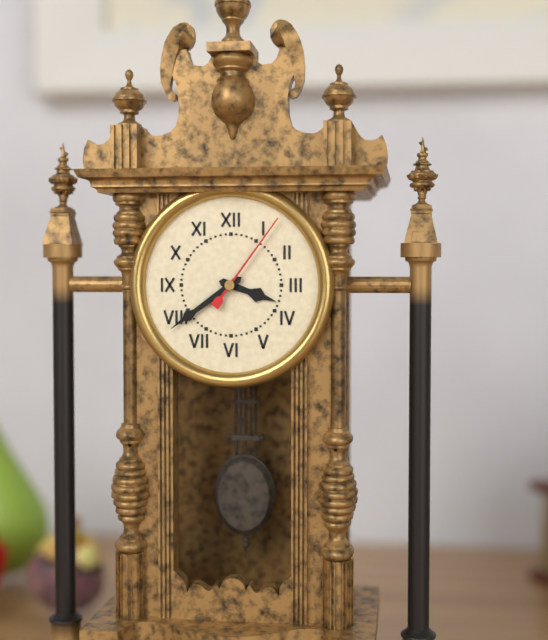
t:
3:39:06
